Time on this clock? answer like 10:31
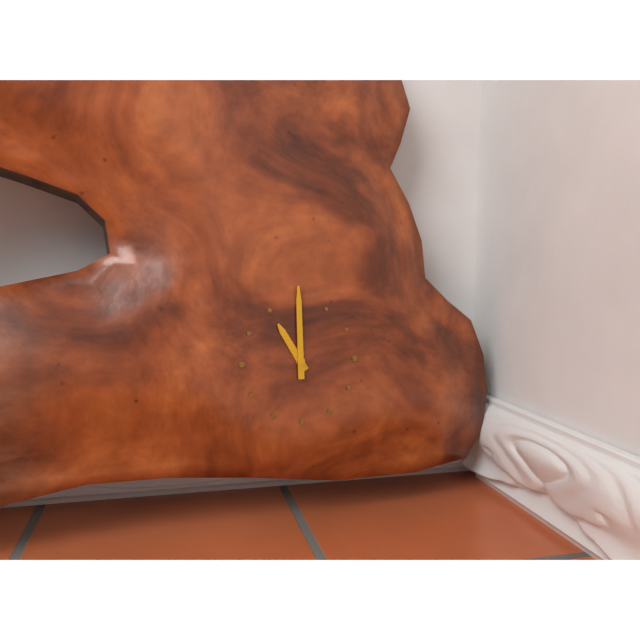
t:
11:00
